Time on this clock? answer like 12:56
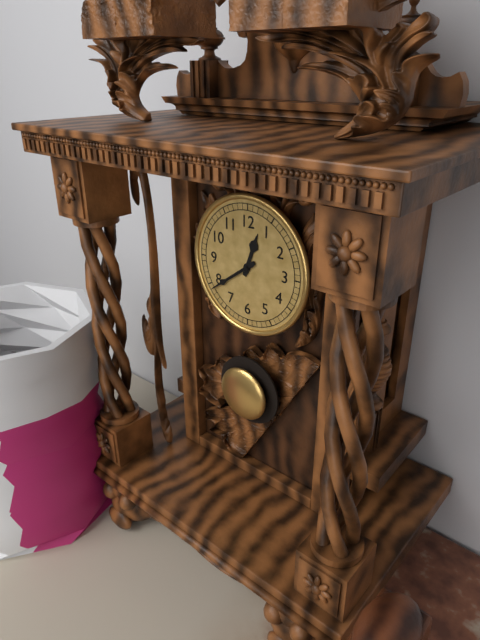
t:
12:39
